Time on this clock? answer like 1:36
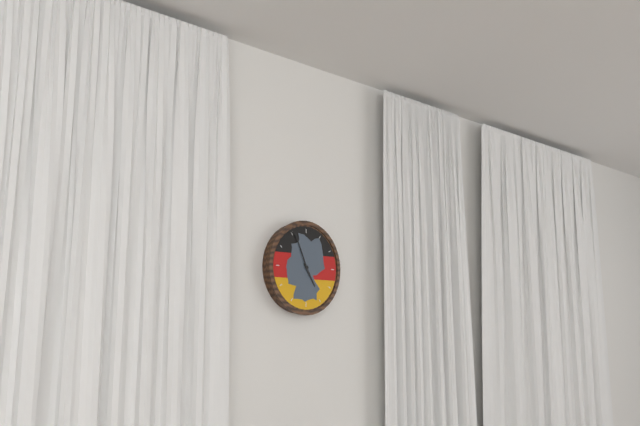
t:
4:56
